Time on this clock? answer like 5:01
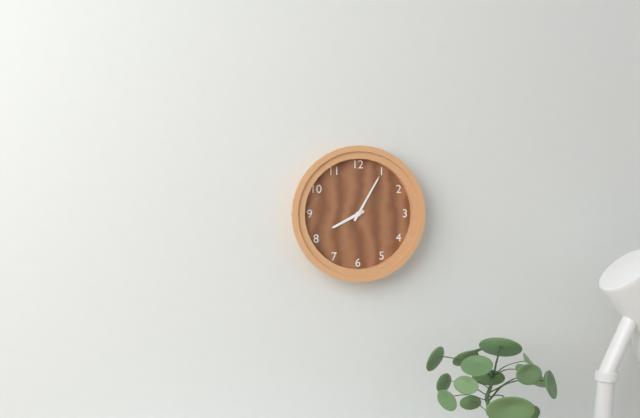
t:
8:05
